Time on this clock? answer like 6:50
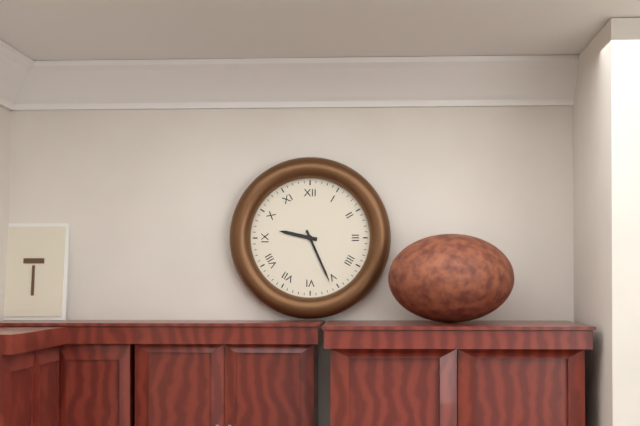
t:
9:26
